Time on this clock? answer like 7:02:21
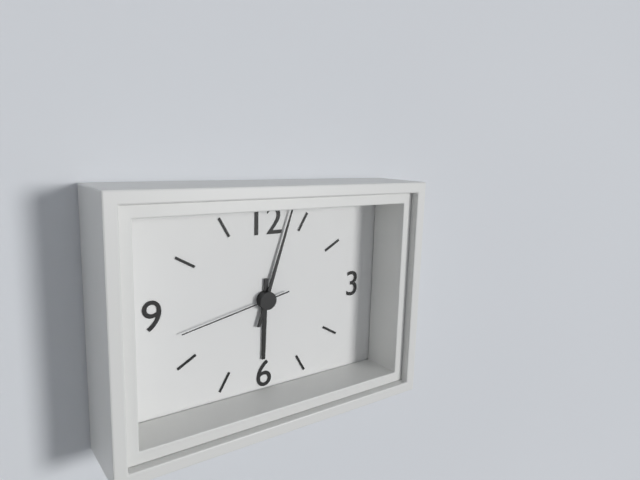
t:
6:03:43
